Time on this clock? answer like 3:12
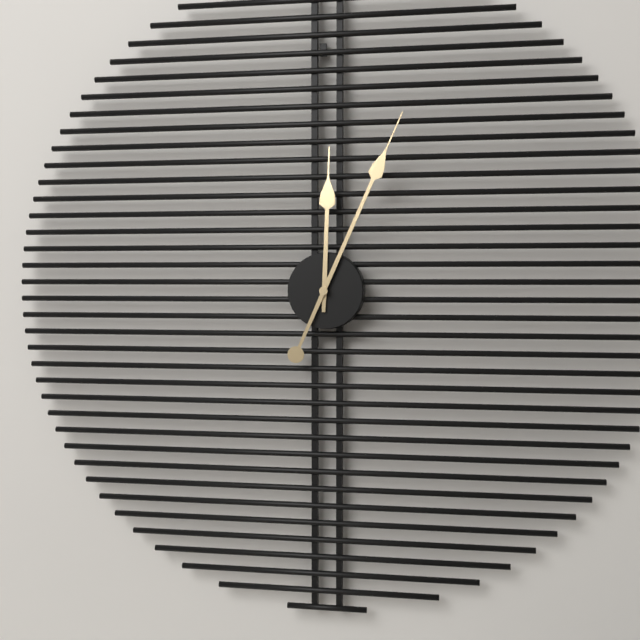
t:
12:04
